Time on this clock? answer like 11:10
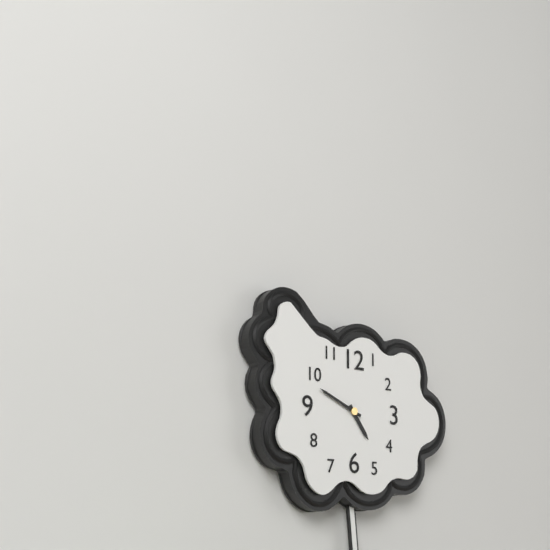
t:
4:49
